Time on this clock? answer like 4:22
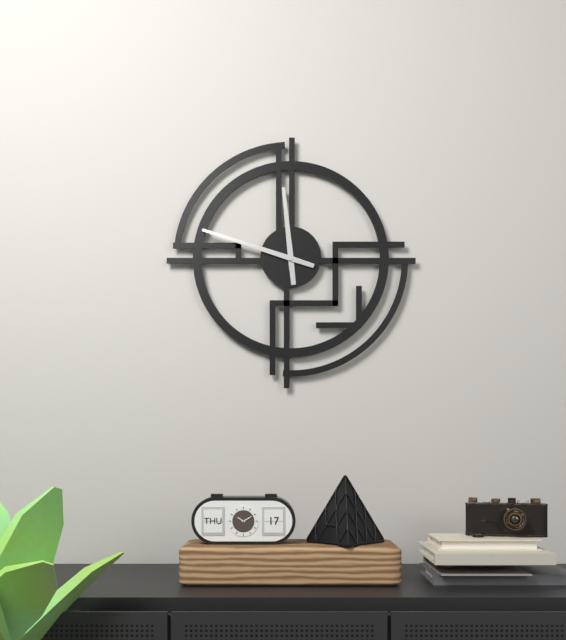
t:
11:48
